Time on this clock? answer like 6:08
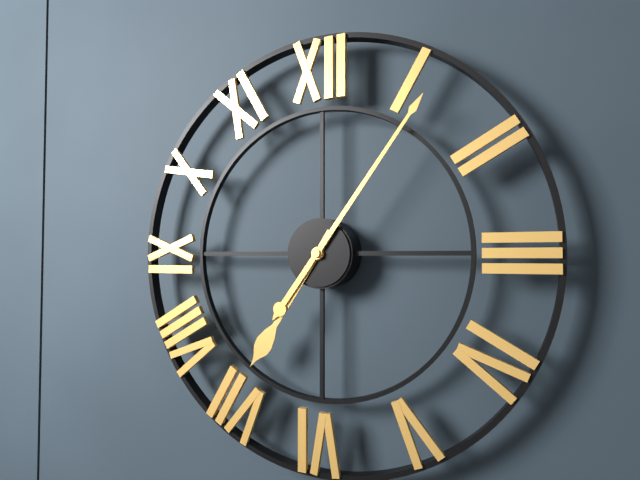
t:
7:06
